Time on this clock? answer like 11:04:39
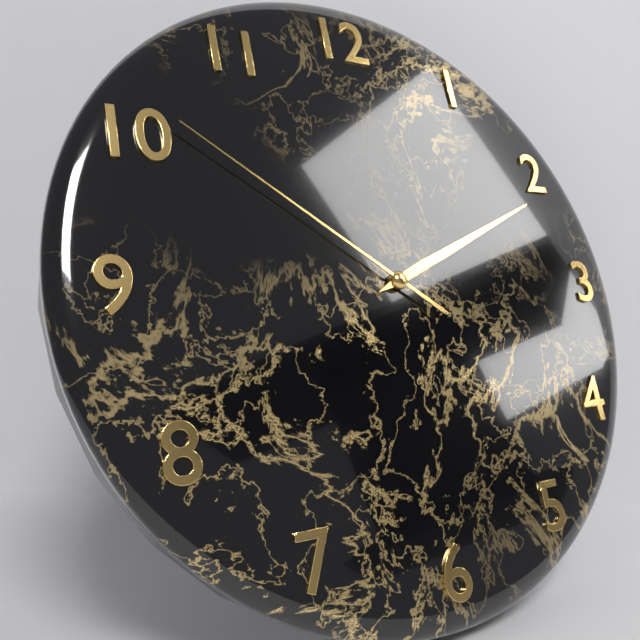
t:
2:11:51
